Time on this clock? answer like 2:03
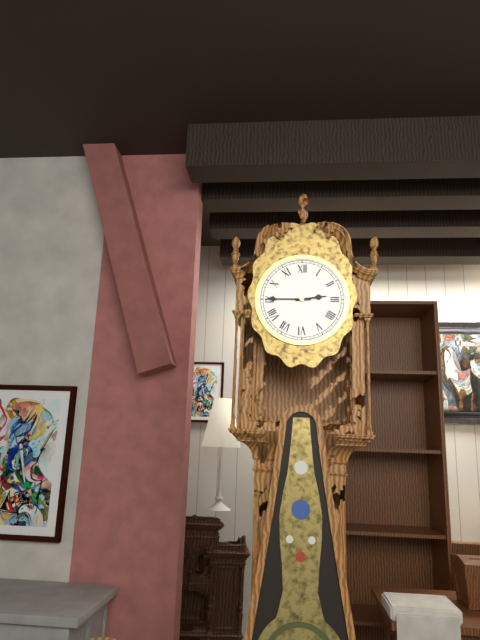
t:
2:45
